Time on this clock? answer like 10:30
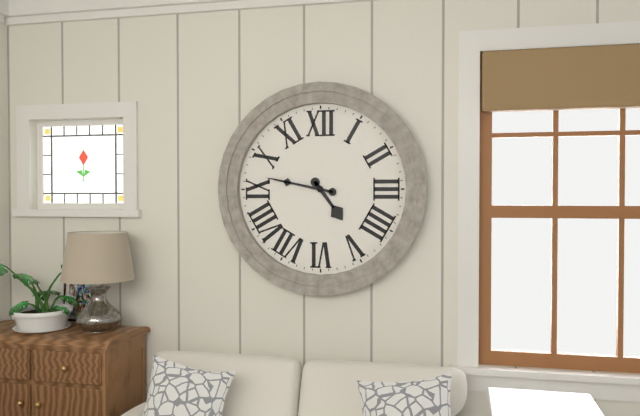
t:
4:47
